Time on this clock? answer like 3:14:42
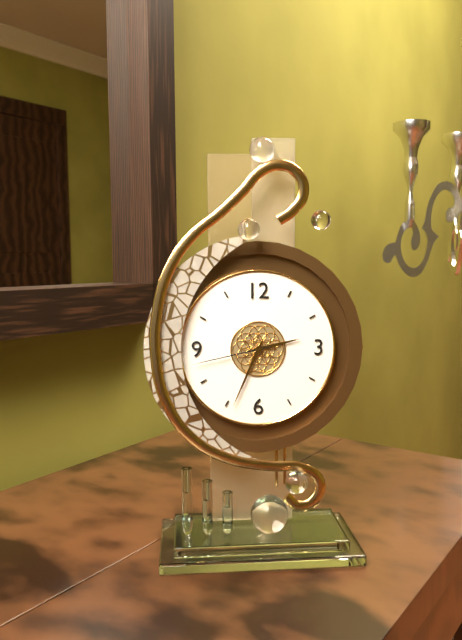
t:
2:34:43
